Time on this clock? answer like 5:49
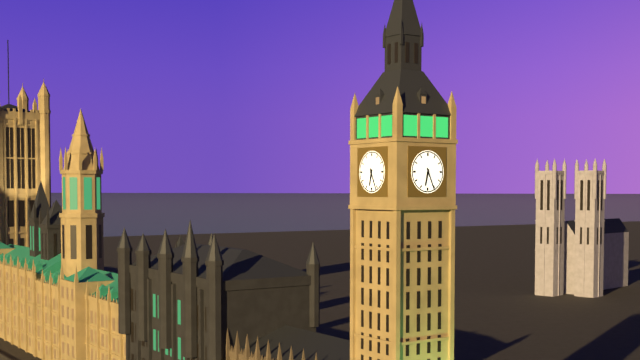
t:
6:26
